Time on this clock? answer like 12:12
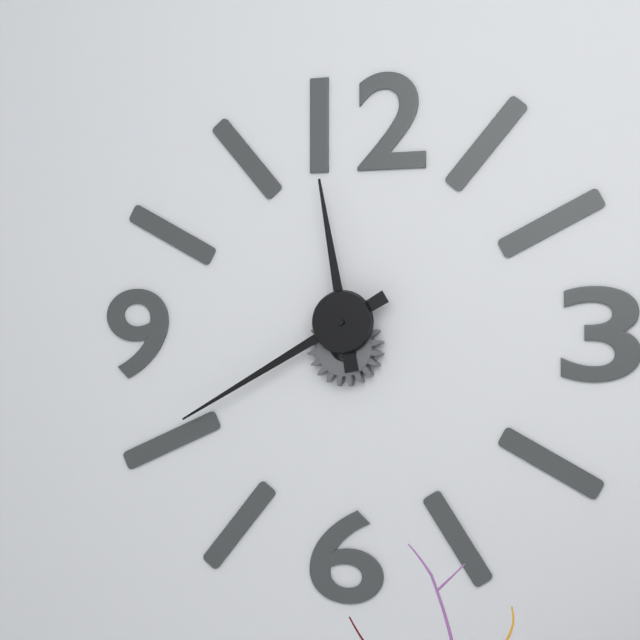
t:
11:40
